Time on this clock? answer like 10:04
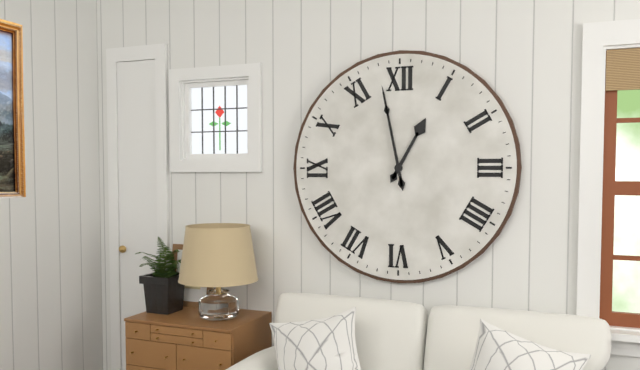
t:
12:58
